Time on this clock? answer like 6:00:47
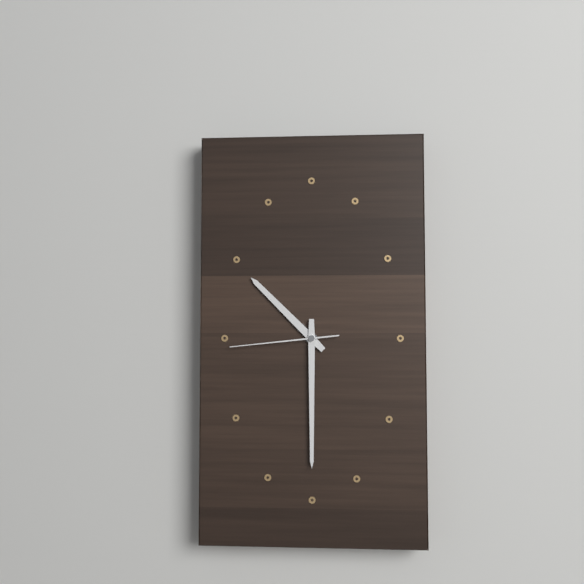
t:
10:30:44
